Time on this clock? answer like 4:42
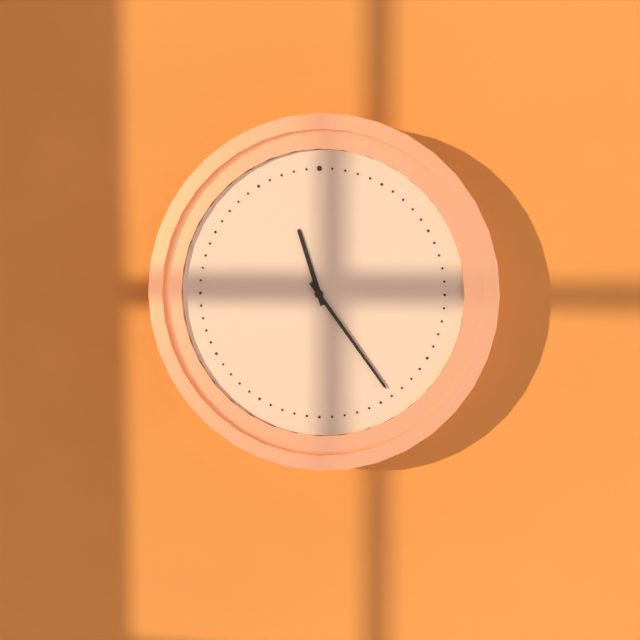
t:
11:24
